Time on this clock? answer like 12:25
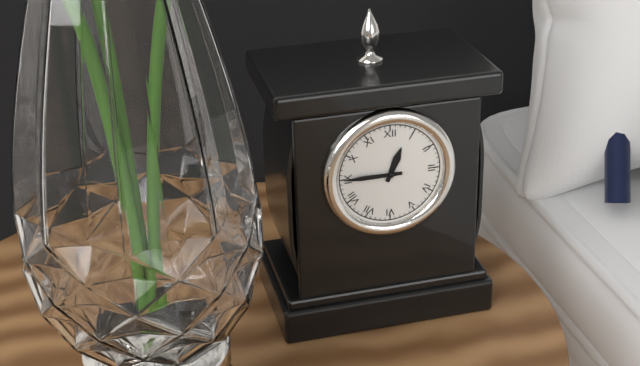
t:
12:45
